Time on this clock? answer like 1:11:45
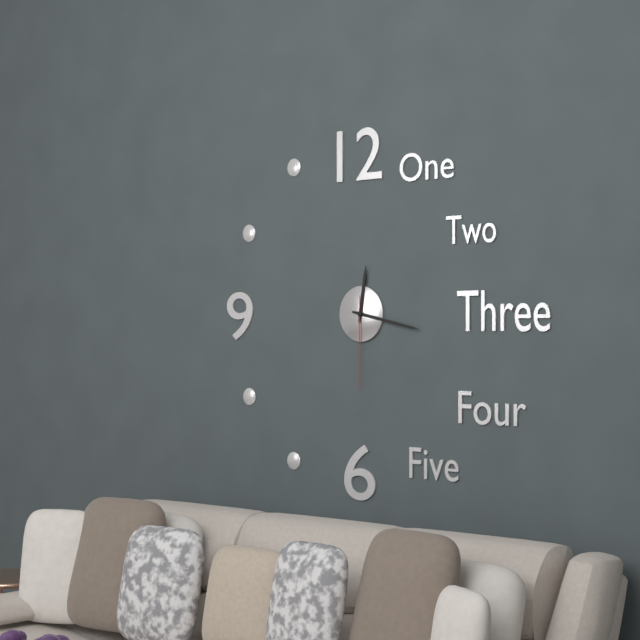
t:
12:17:30
